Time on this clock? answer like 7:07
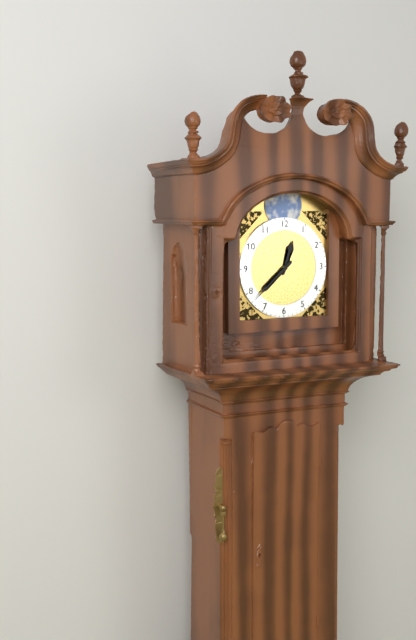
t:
12:38
